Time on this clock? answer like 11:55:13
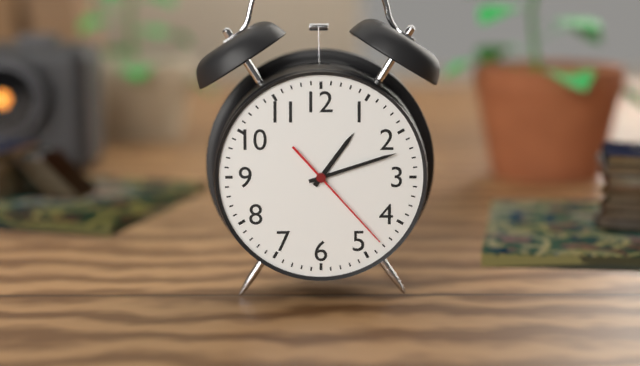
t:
1:12:23
